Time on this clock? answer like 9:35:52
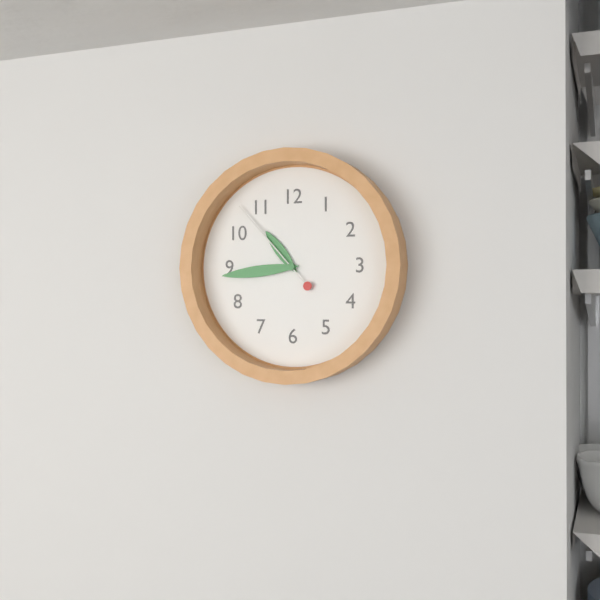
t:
10:44:53
